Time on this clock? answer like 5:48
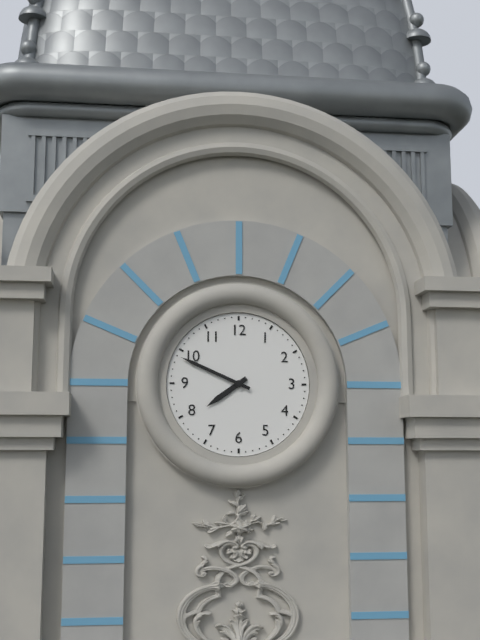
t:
7:49
